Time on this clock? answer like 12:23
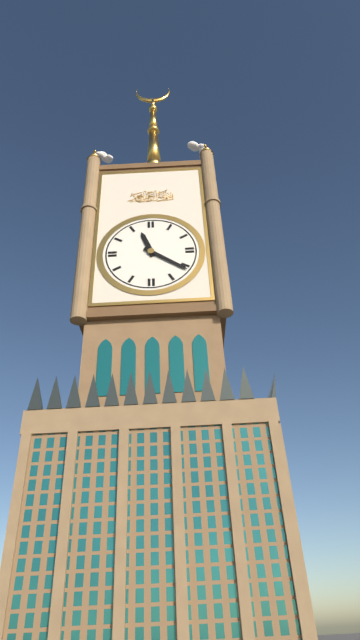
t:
11:21
